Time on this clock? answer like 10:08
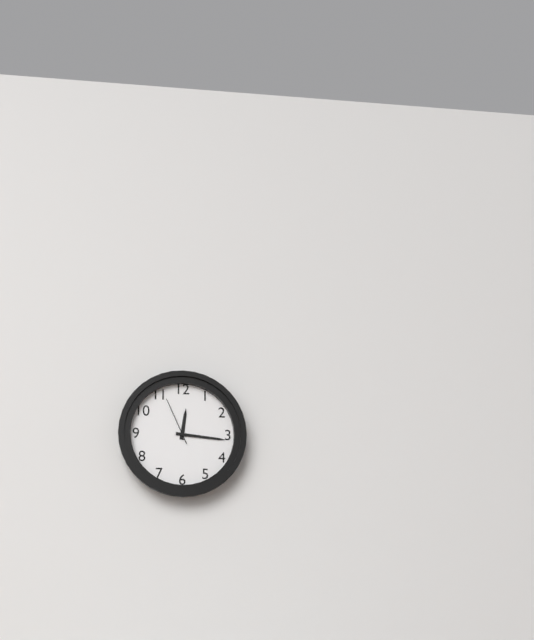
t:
12:16
